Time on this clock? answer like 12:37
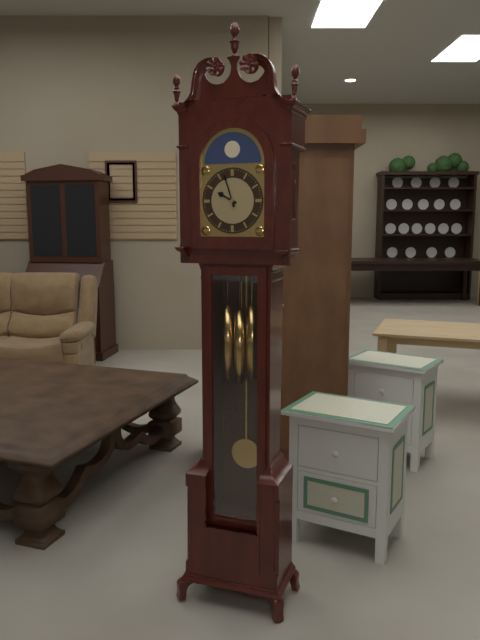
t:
9:57
